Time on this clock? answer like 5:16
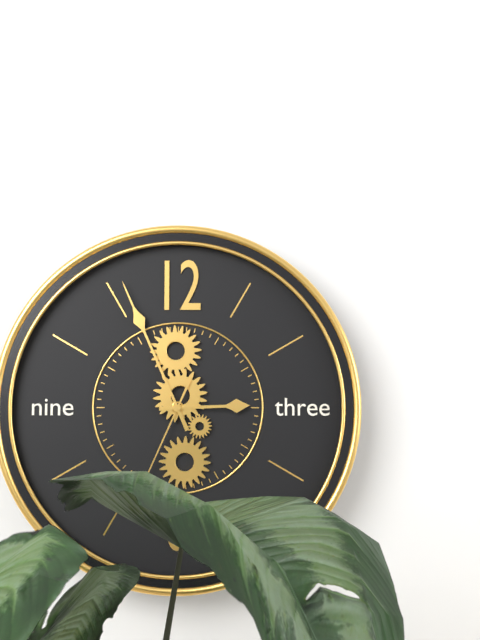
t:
2:56
